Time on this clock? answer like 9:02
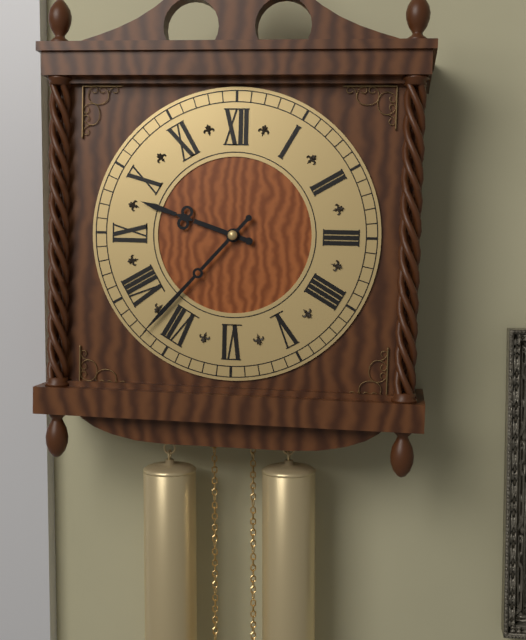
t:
9:37
